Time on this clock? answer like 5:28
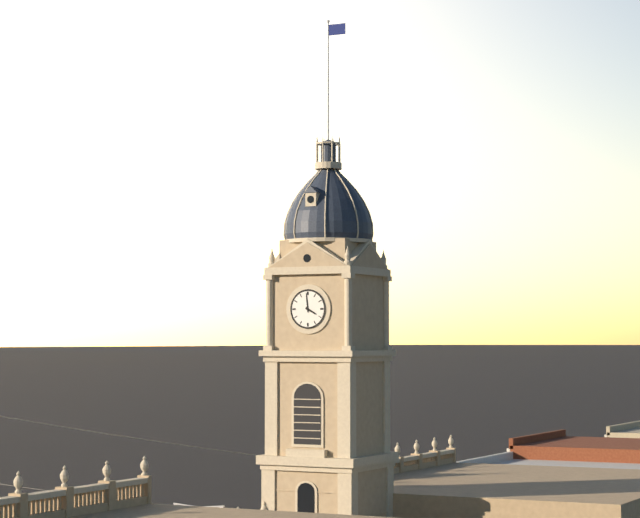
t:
3:59
